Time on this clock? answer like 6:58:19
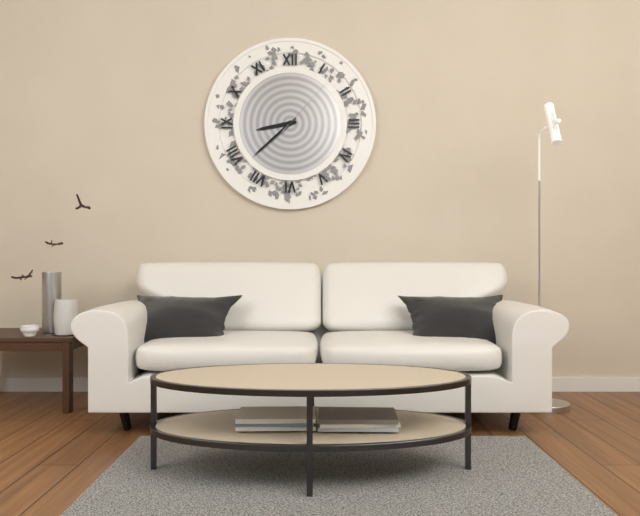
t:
8:38:07
